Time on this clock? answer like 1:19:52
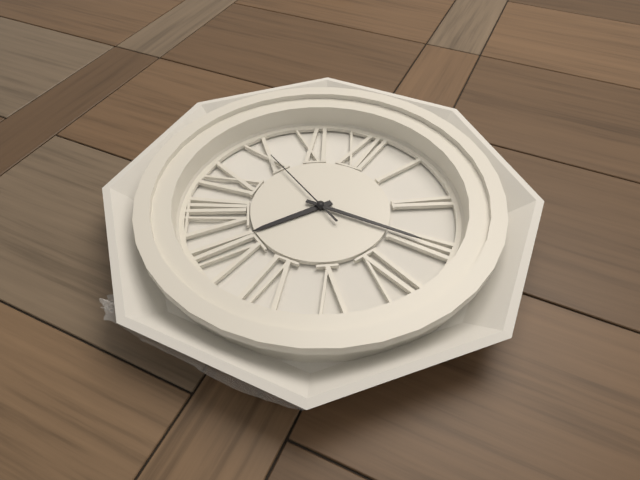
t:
7:15:50
